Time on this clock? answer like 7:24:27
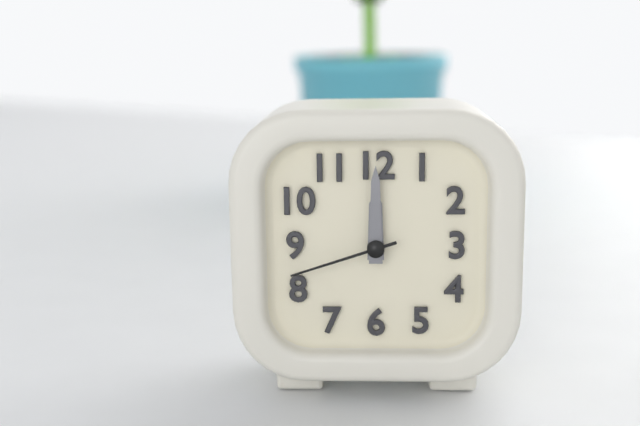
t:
12:00:42
